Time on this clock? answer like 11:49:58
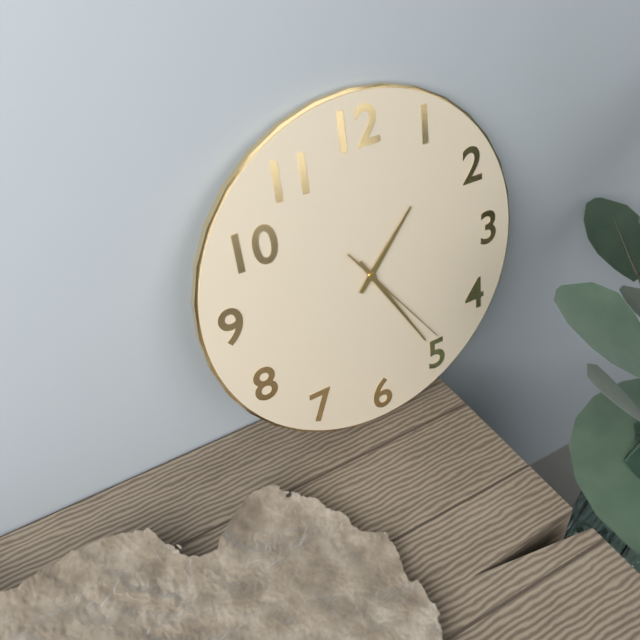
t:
1:25:24
